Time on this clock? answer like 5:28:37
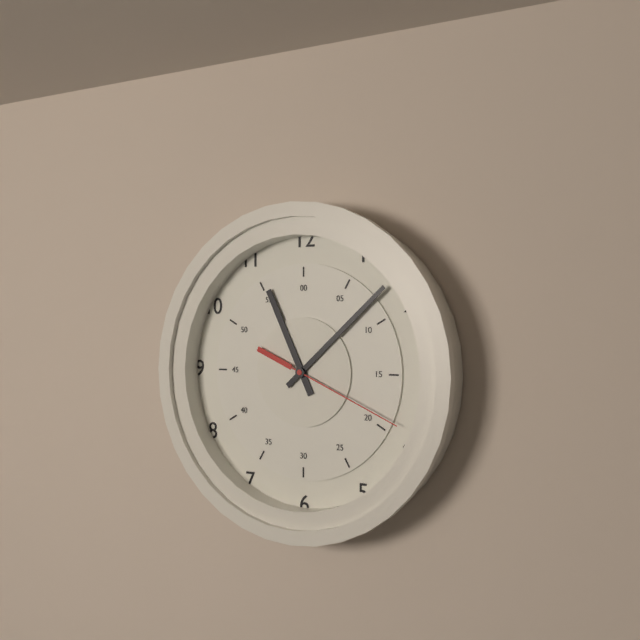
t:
11:08:19
